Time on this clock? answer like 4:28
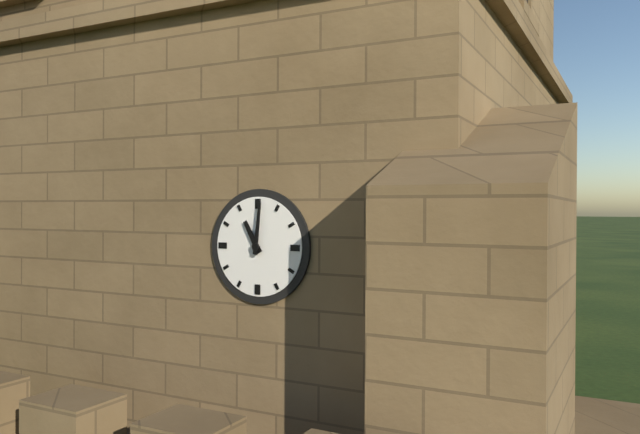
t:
11:01
